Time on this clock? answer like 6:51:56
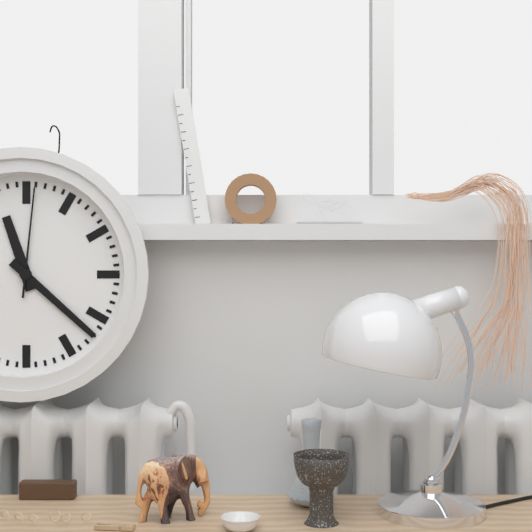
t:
11:22:01
